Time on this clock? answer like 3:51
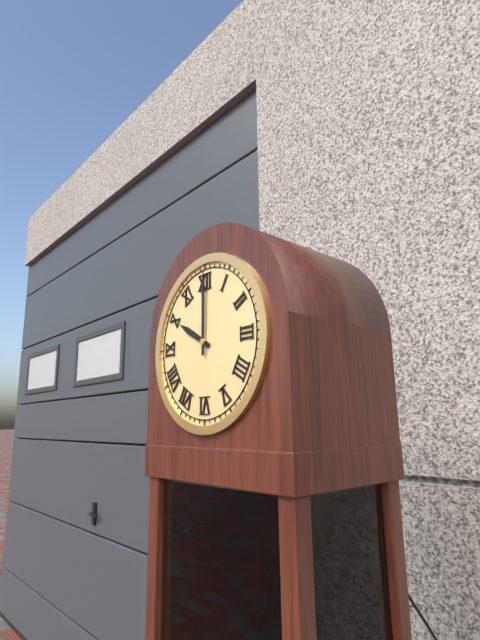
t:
10:00
